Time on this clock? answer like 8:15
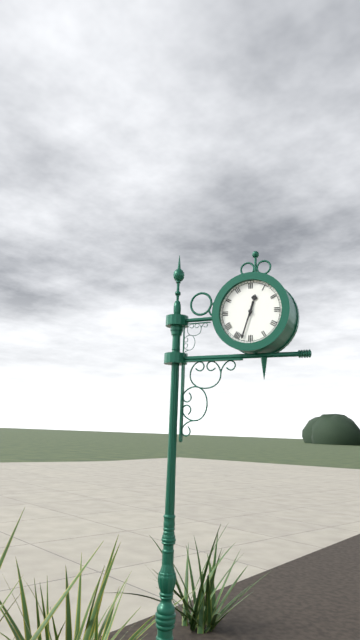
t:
12:33
